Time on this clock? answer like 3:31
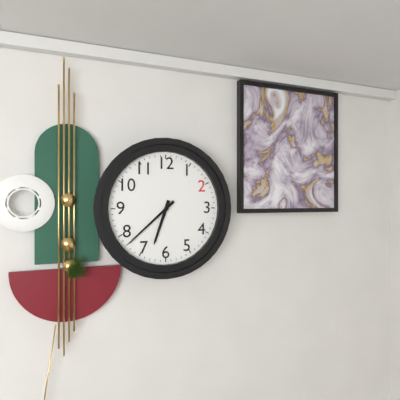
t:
6:38
